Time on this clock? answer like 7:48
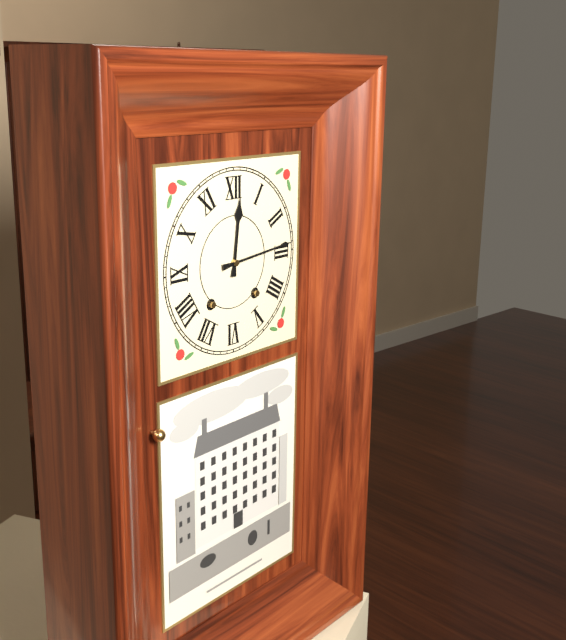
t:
12:14
